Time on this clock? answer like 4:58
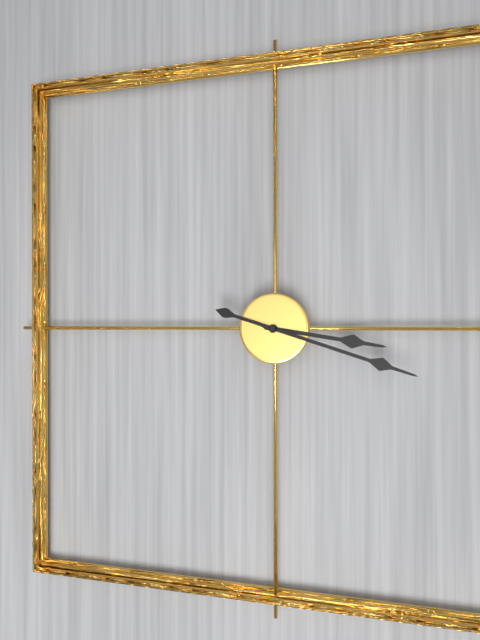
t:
3:18
